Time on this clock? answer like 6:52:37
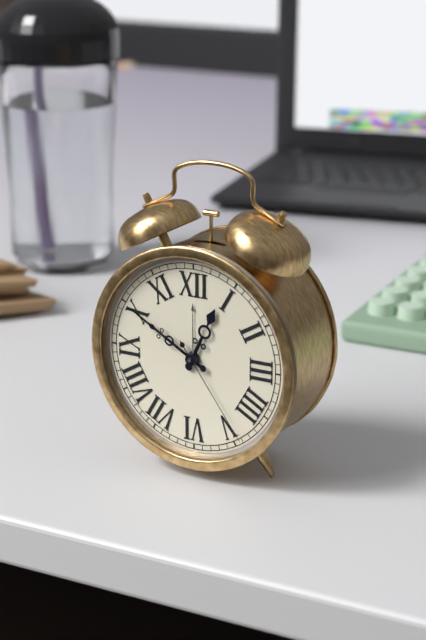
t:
12:50:24
